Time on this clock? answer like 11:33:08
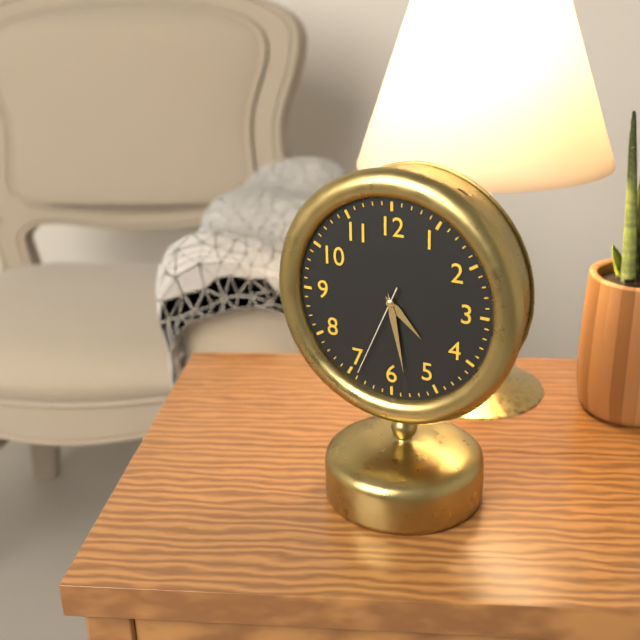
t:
4:28:34
